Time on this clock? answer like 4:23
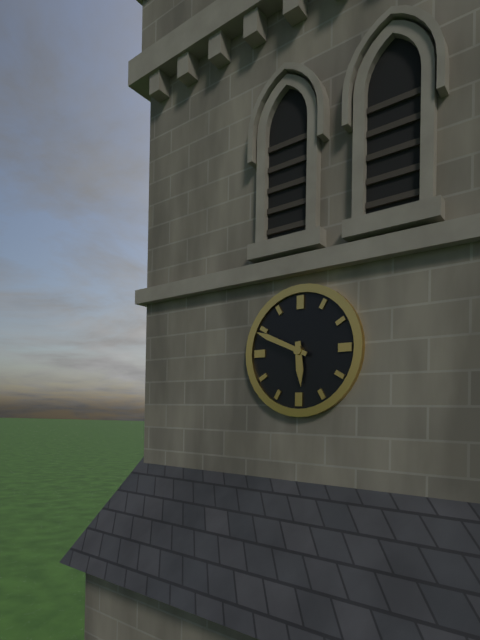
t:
5:49
